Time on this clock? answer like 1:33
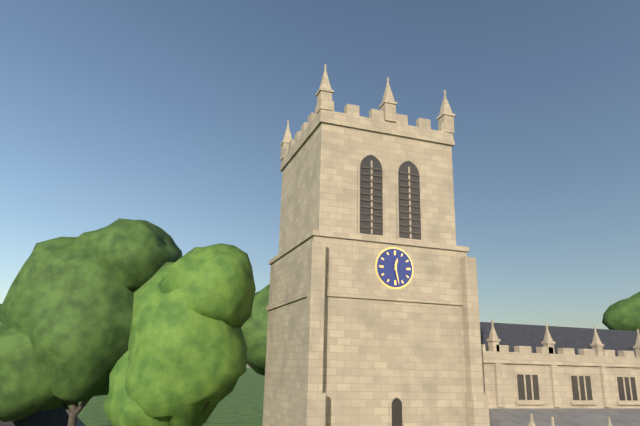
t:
12:28
